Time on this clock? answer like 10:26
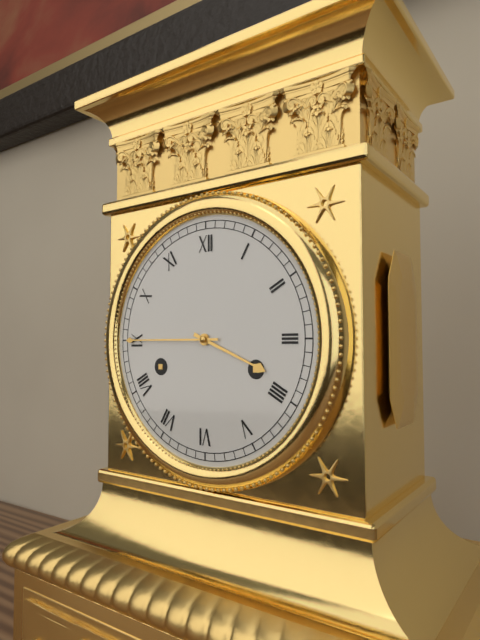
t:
3:45
